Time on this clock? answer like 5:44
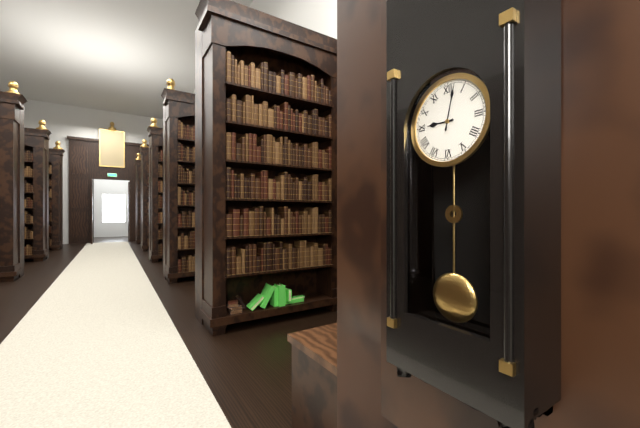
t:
9:02
